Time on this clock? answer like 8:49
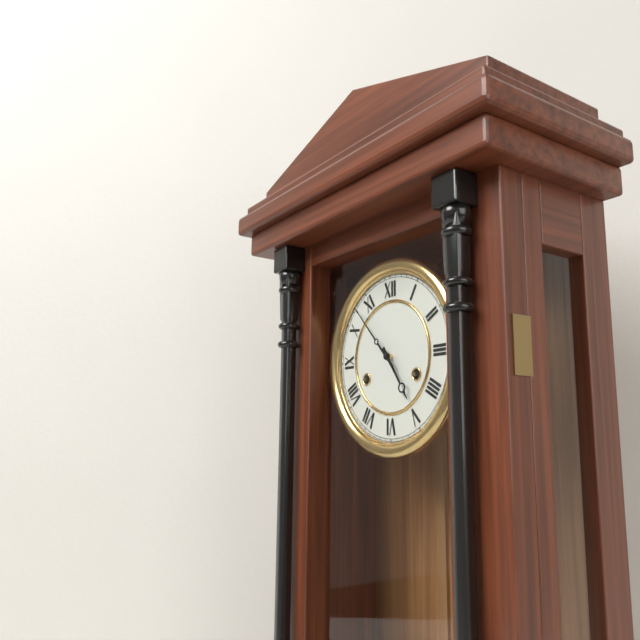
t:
4:53
